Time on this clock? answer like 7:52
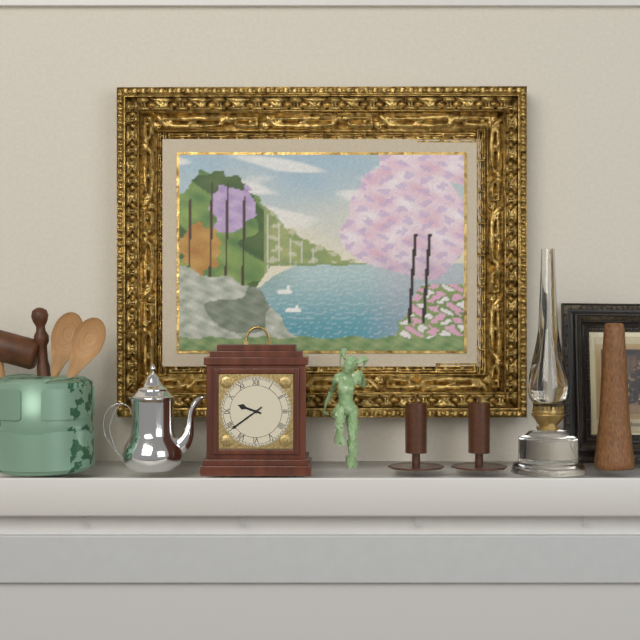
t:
9:39
